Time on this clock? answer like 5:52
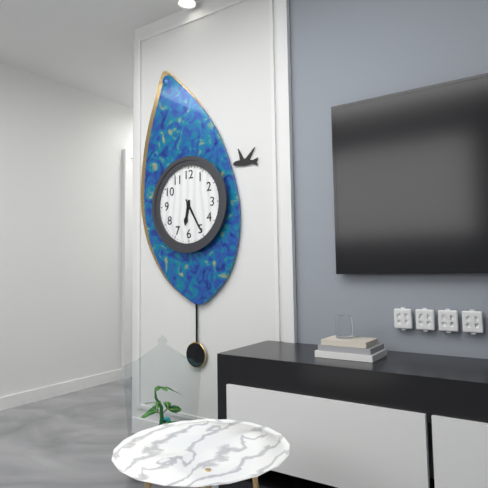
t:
6:25
